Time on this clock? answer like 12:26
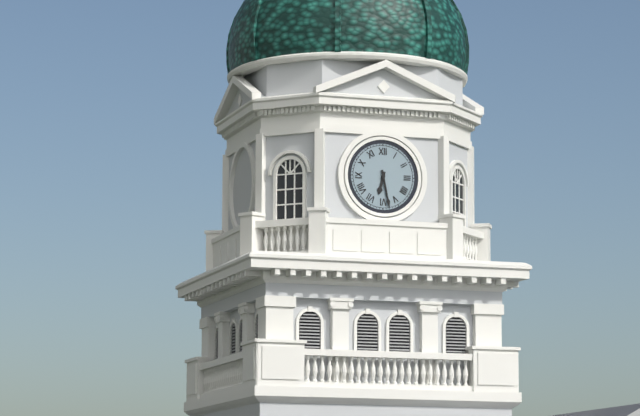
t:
6:28
